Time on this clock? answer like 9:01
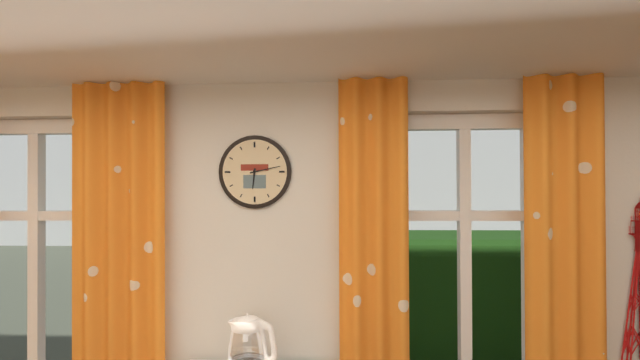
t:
6:13
